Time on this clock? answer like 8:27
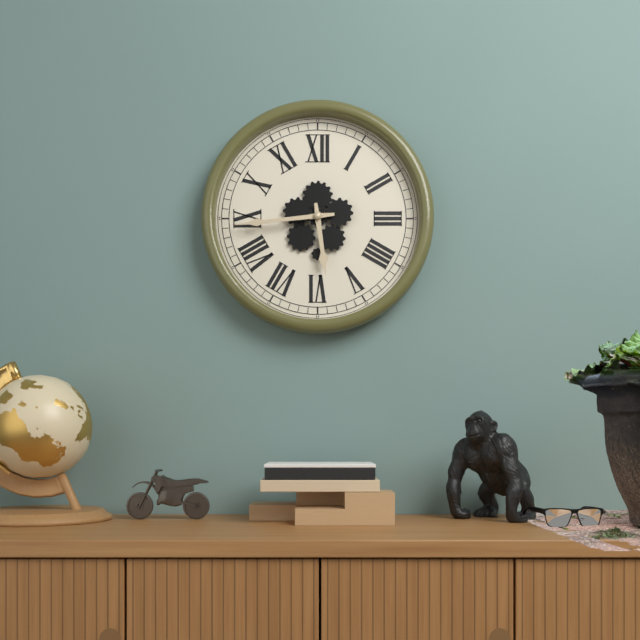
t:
5:44
